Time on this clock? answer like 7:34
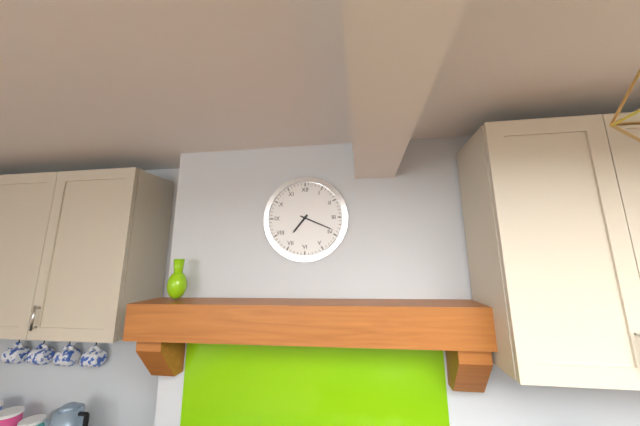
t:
7:19
